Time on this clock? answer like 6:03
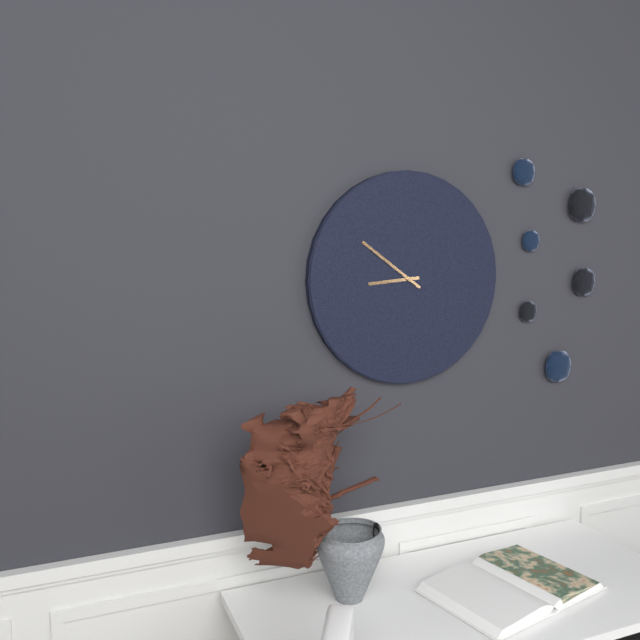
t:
8:51
